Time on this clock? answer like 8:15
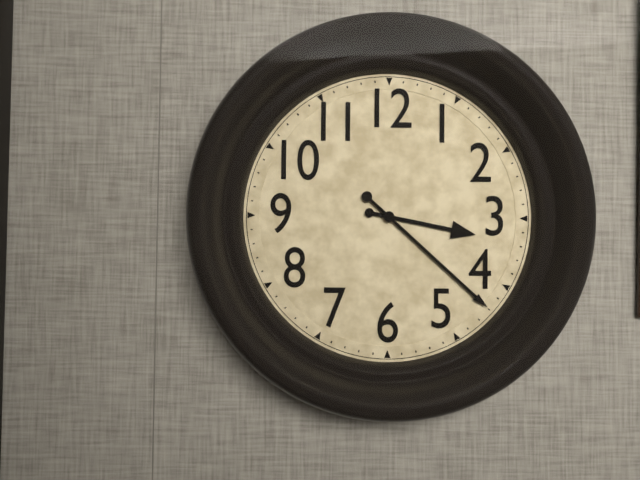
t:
3:22
